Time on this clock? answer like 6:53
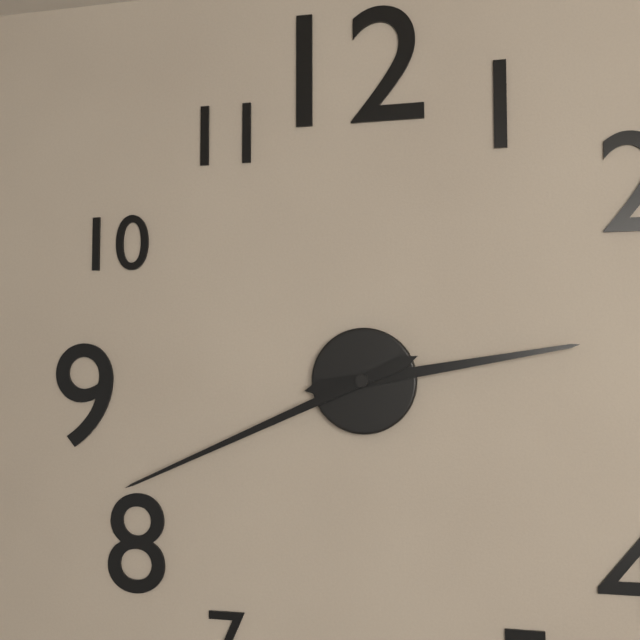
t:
2:41
